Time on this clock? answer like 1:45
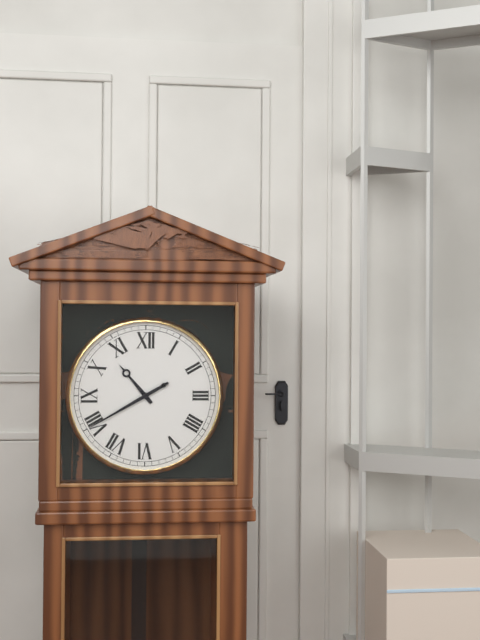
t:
10:40
